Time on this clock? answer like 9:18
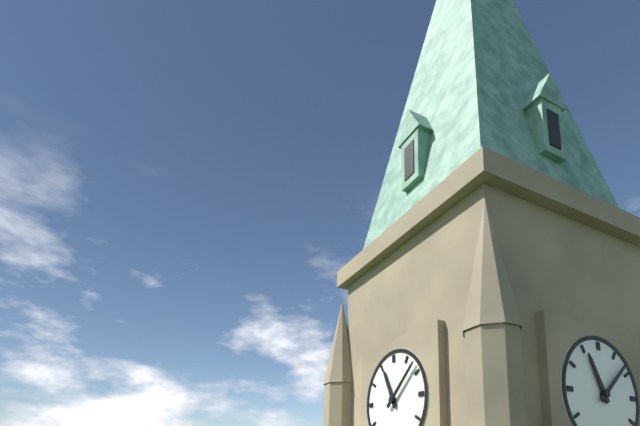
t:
11:08
